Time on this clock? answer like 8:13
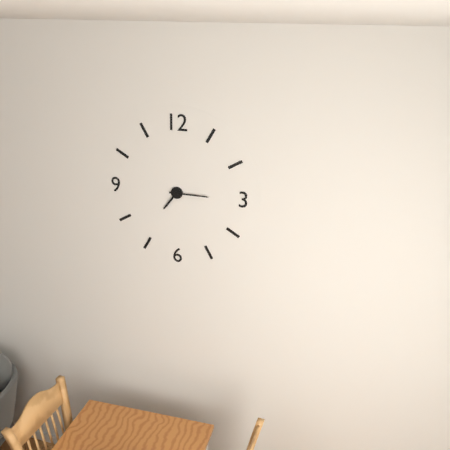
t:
7:15
